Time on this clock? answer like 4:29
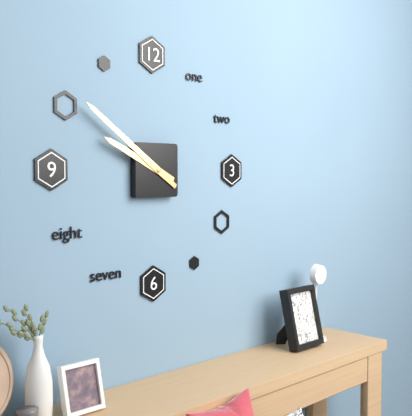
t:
9:51
